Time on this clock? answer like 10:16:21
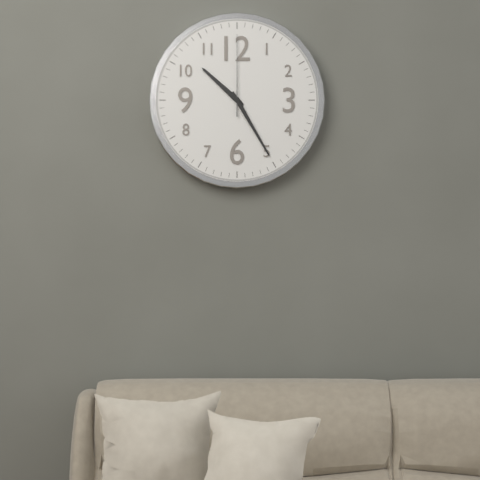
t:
10:25:00
